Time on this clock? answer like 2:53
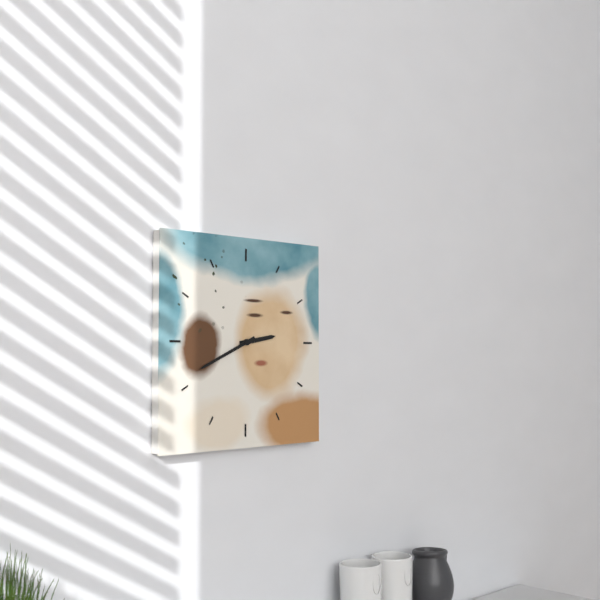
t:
2:41
